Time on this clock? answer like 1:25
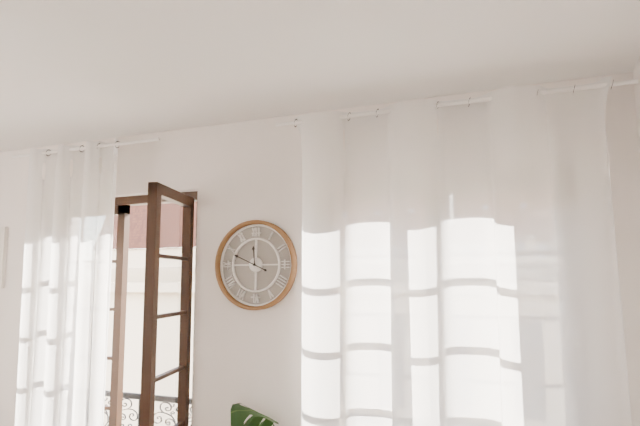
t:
11:49
